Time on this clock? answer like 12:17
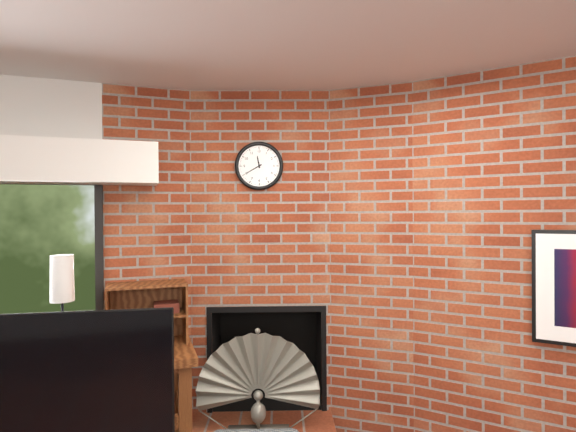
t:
11:40
